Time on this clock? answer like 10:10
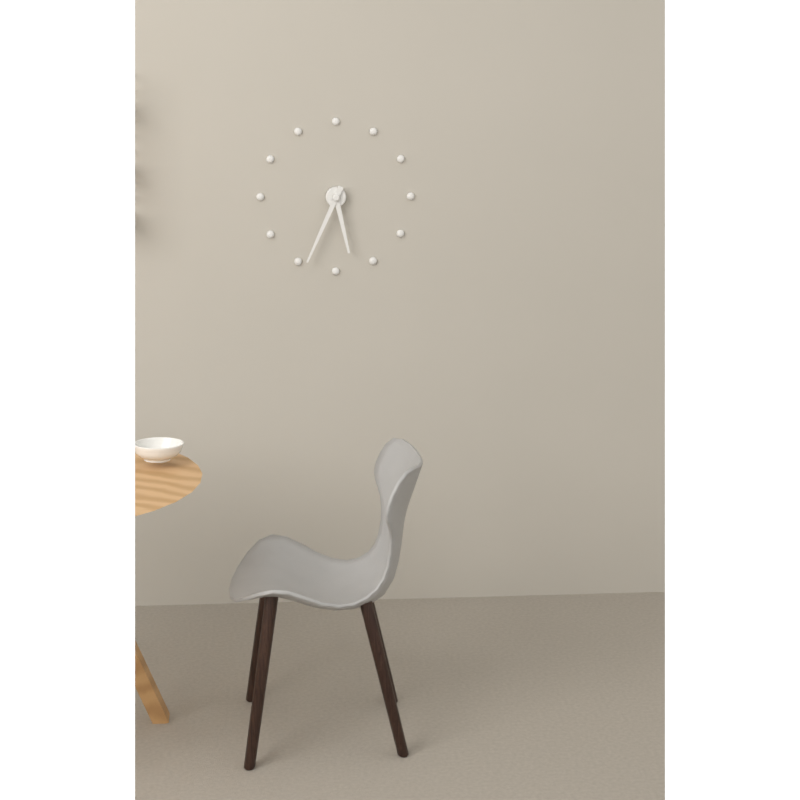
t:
5:34
